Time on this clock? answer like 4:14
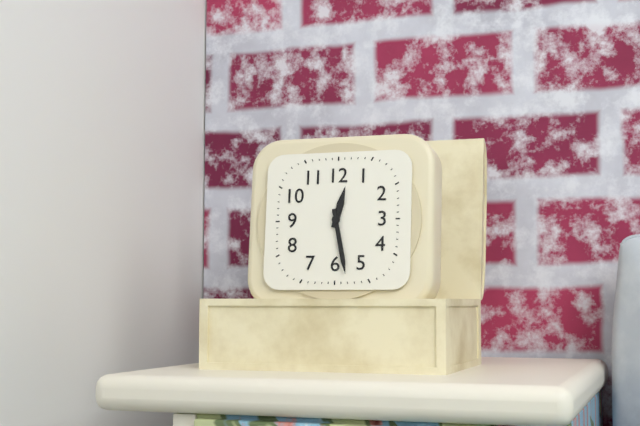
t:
12:28
